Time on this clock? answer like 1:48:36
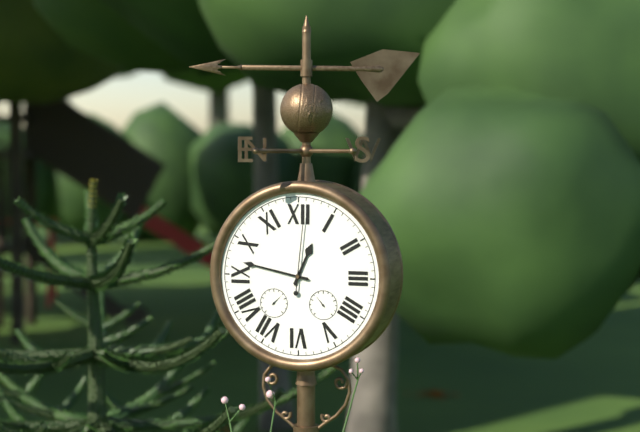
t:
12:47:01
